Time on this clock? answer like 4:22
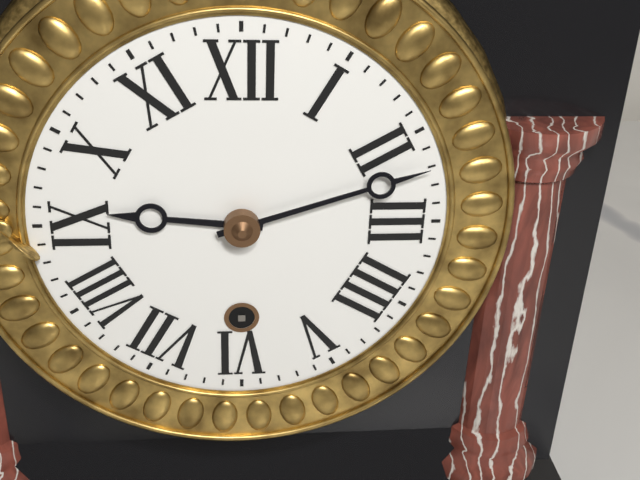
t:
9:12
